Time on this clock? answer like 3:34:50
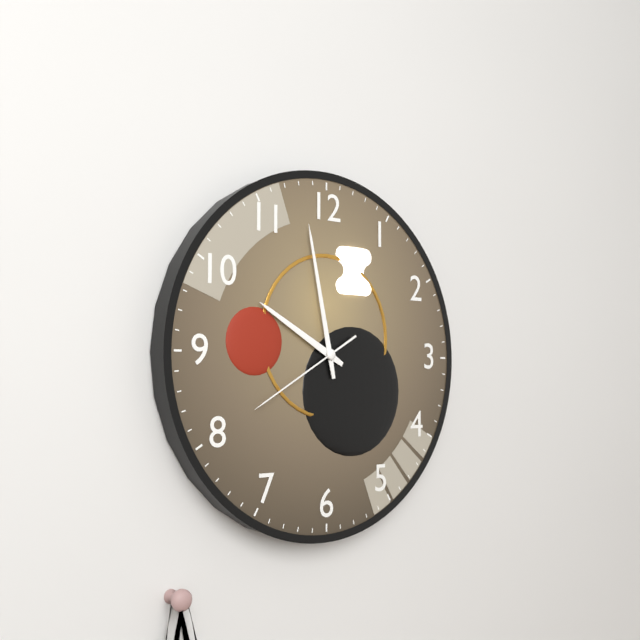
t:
9:58:40
